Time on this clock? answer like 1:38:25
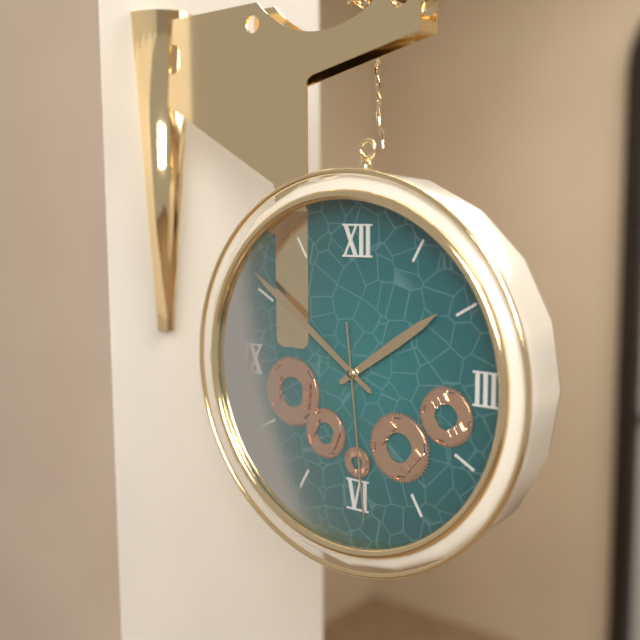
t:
1:51:29
